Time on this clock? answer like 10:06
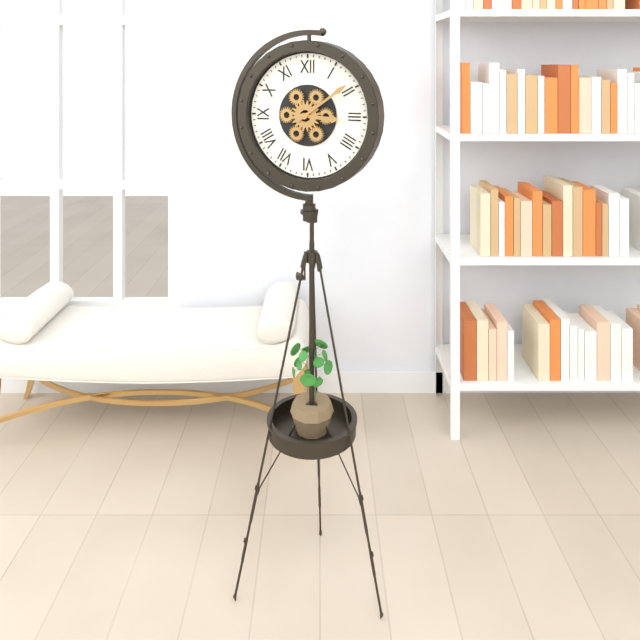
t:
3:09
